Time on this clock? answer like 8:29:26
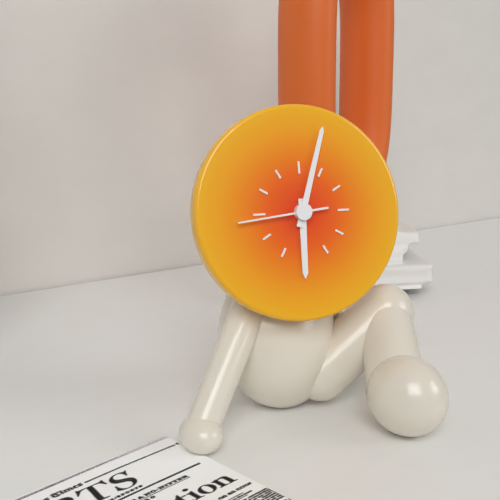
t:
6:03:44
